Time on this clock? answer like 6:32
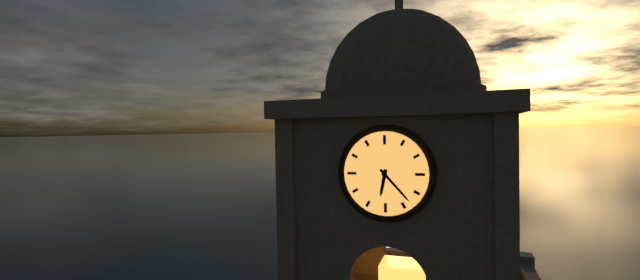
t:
6:23
